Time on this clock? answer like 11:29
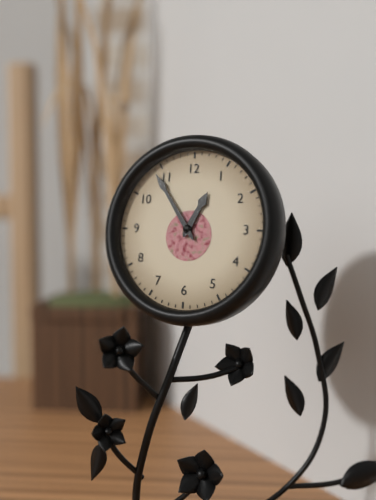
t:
12:54
